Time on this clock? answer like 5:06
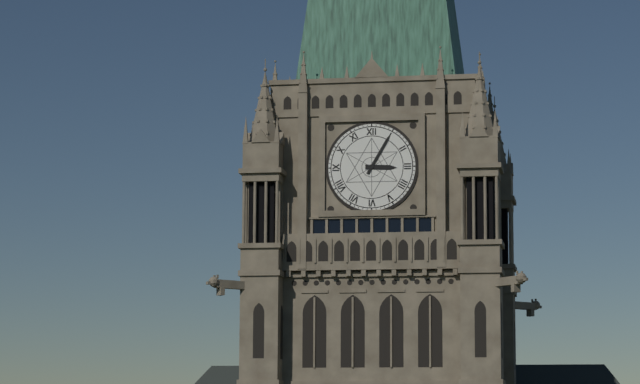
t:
3:05
